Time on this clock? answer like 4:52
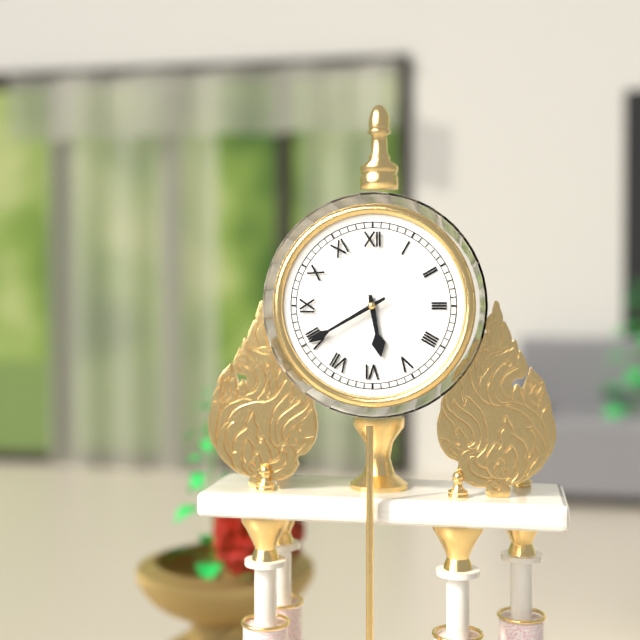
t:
5:40
